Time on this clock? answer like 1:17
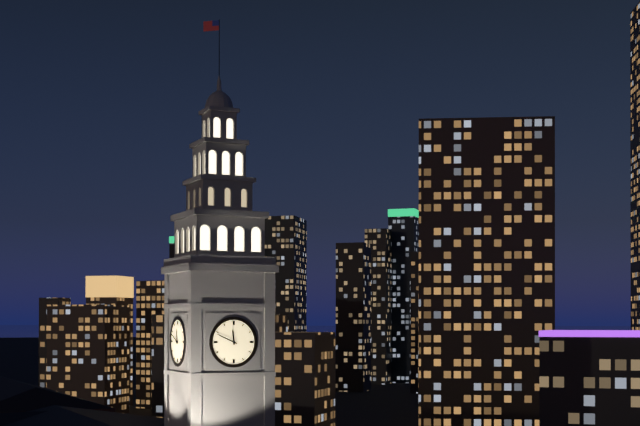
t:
11:49
